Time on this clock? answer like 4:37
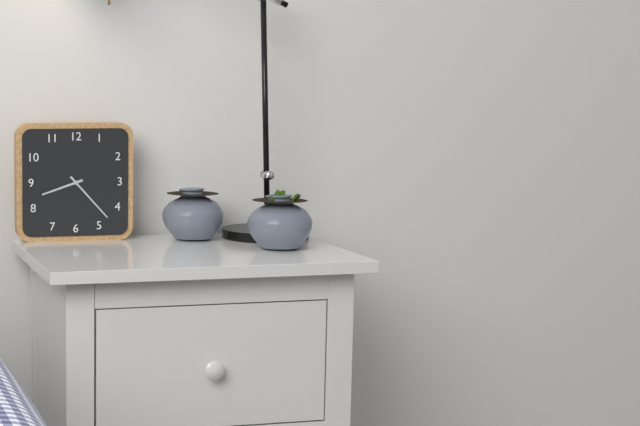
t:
8:23
